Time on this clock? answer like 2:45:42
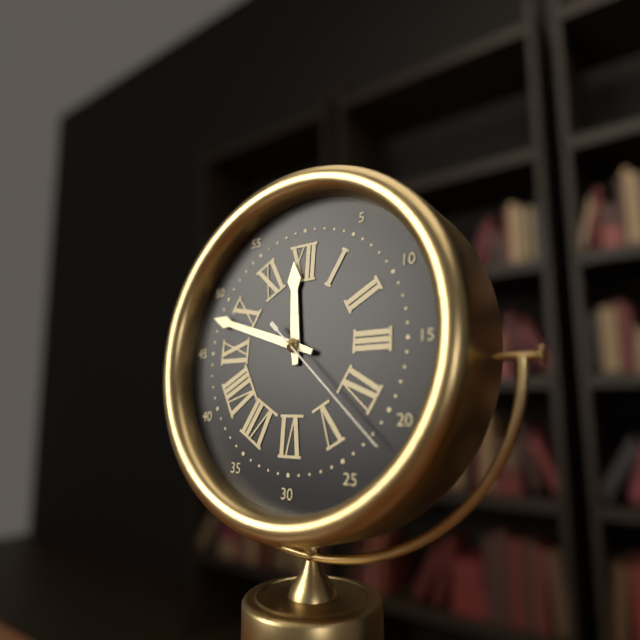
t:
11:48:22
